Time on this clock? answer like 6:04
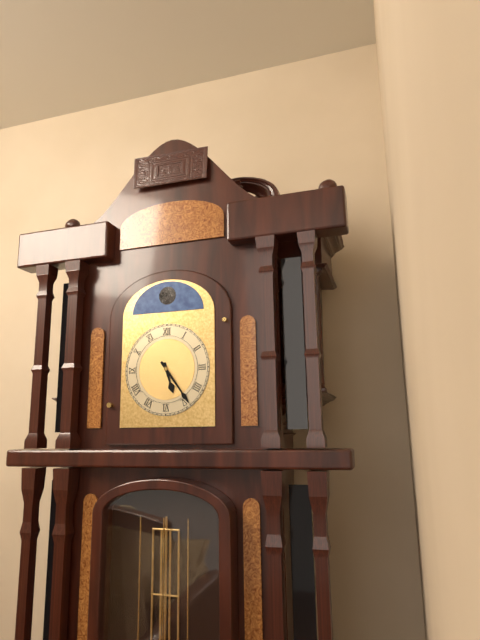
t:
5:24
